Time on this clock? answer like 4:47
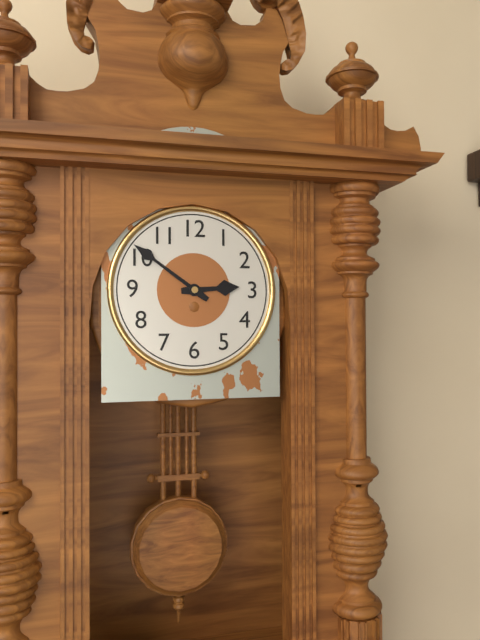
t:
2:51
